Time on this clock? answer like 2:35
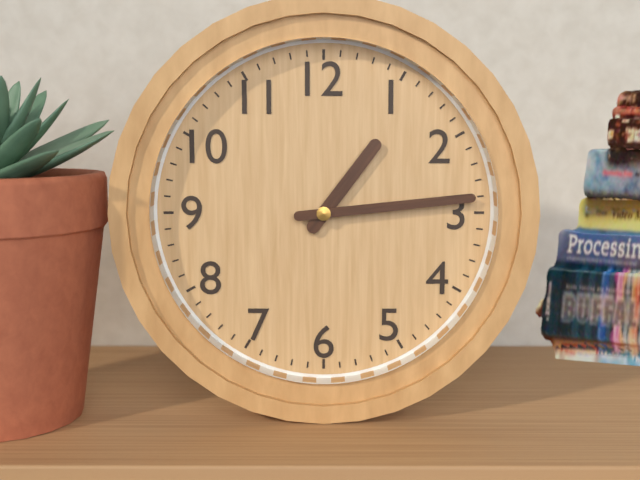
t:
1:14
